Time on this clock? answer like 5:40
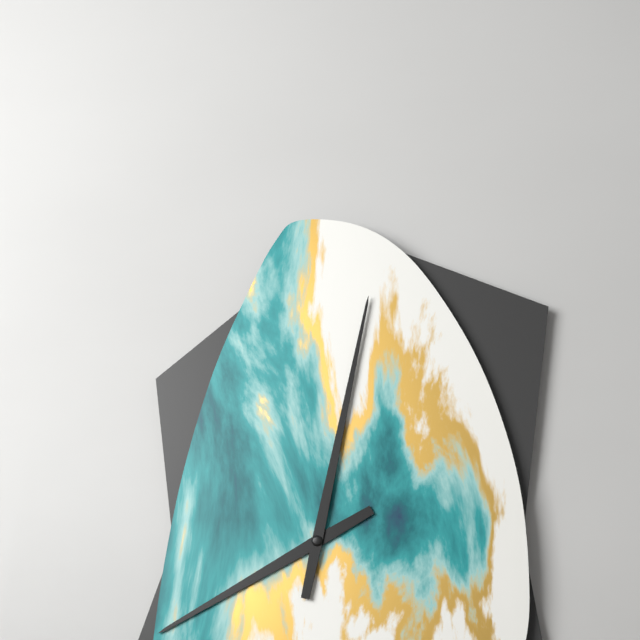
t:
8:02
